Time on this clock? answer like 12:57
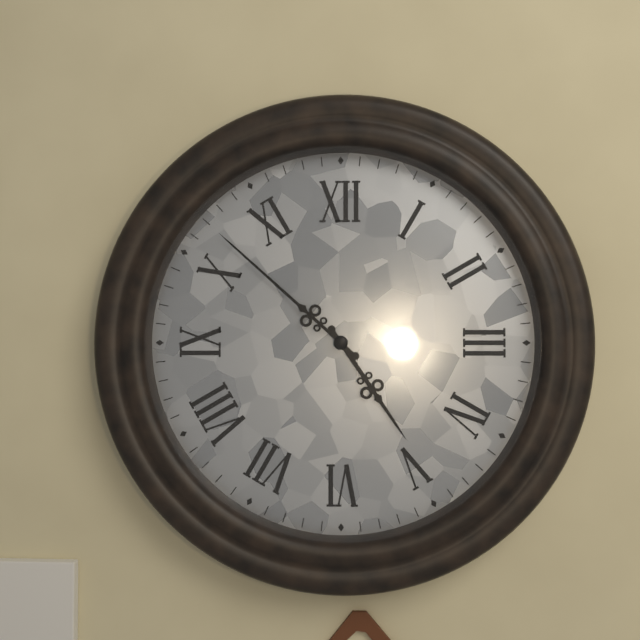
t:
4:52
